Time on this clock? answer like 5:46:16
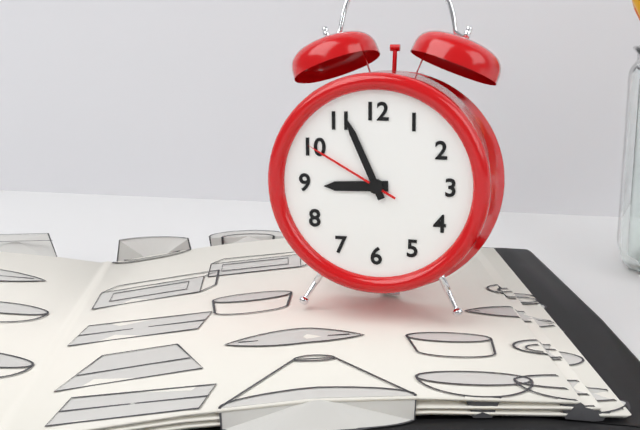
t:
8:56:50
